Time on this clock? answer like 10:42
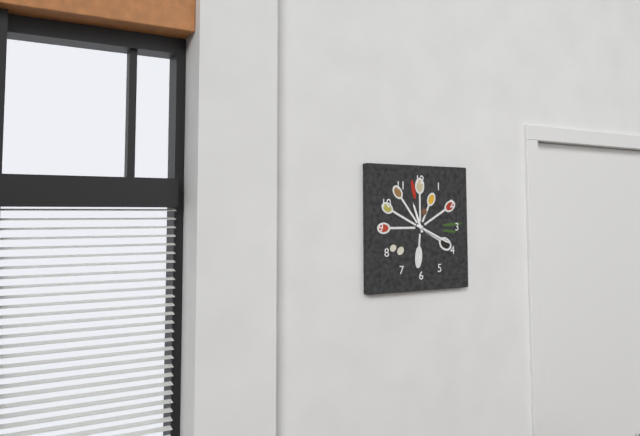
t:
11:19
